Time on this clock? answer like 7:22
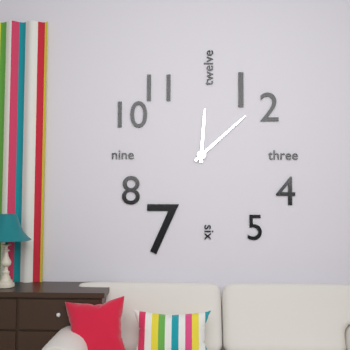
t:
12:08
